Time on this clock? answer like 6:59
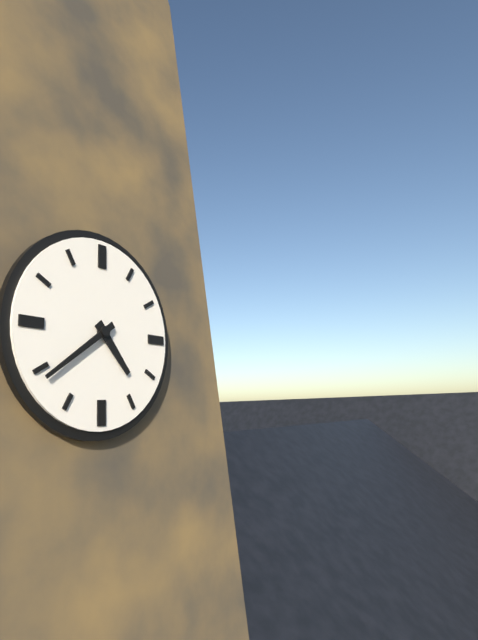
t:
4:39
